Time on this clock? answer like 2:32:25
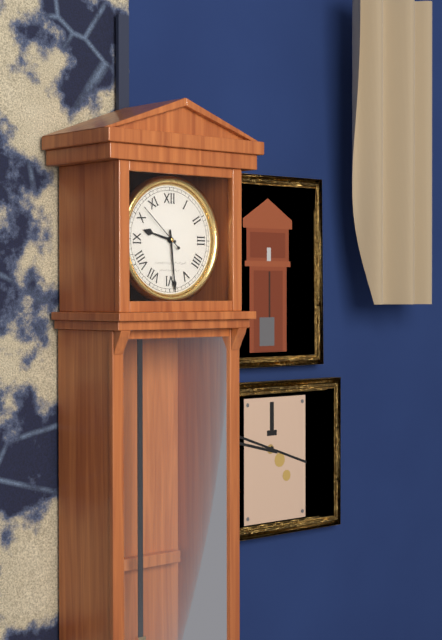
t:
9:29:52
